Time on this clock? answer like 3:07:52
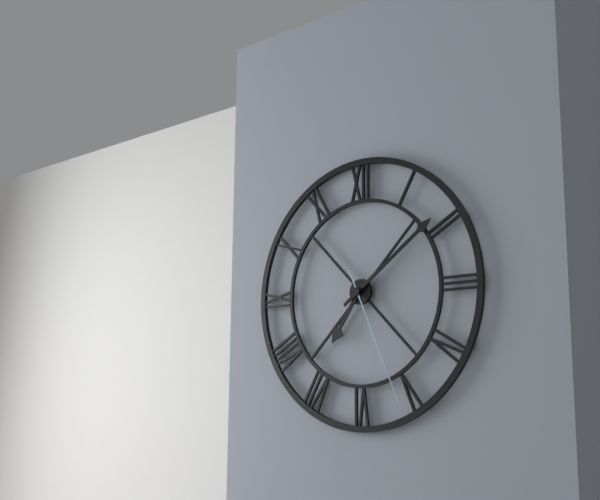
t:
7:09:26
